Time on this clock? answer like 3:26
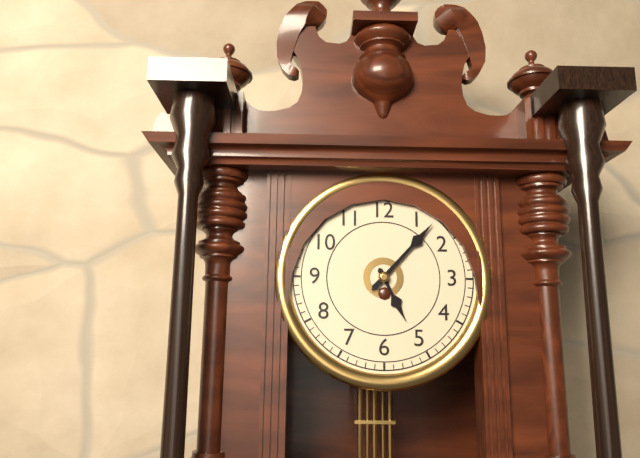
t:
5:07
